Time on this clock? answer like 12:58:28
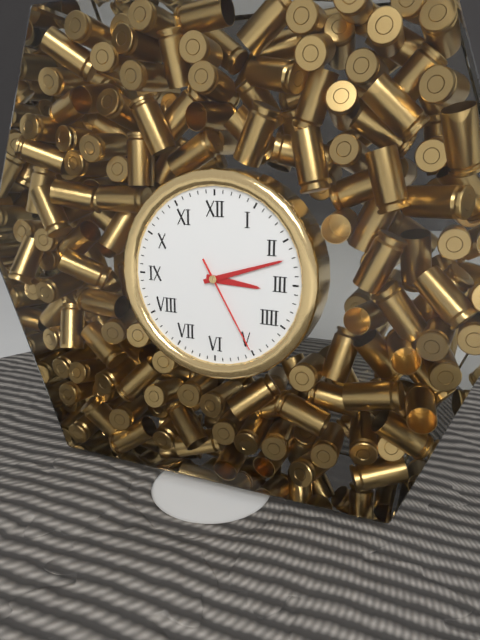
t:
3:12:25
